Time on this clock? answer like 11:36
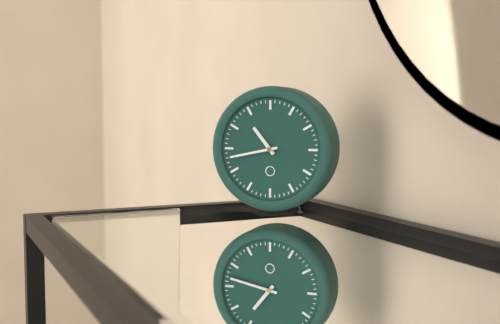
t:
10:43
